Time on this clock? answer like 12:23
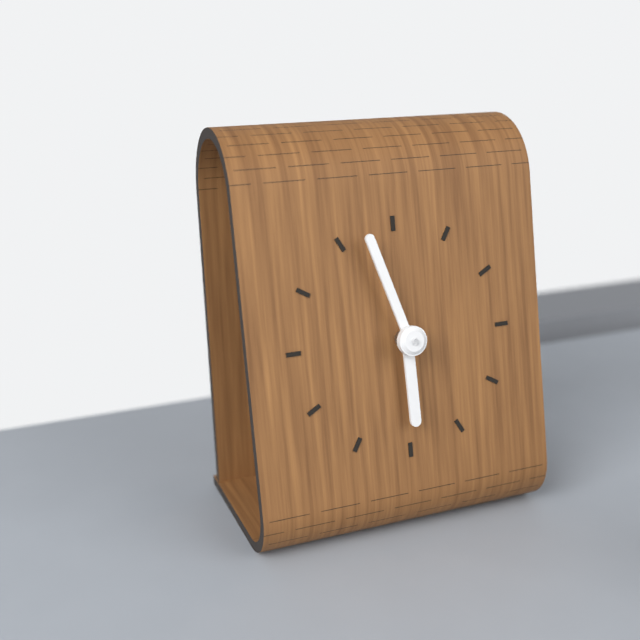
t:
5:57
